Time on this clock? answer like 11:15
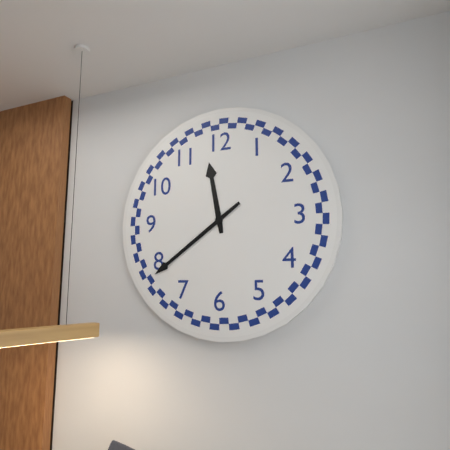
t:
11:39
